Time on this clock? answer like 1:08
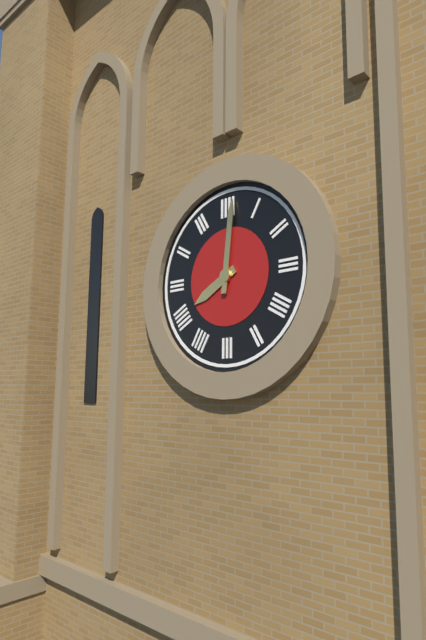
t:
8:01
